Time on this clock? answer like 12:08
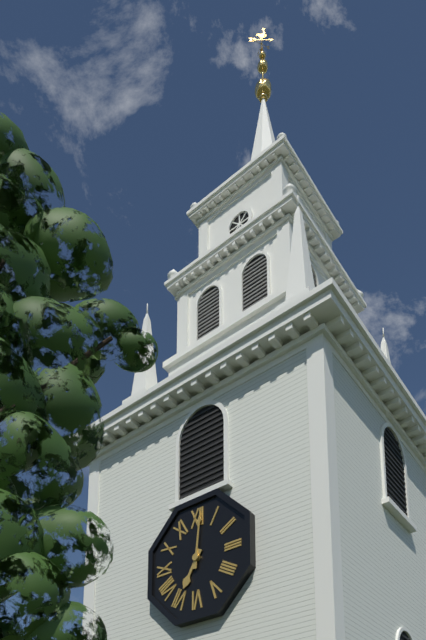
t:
7:01
